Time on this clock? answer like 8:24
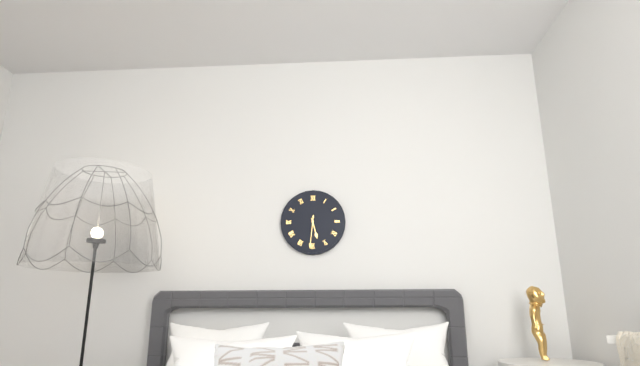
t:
5:31
